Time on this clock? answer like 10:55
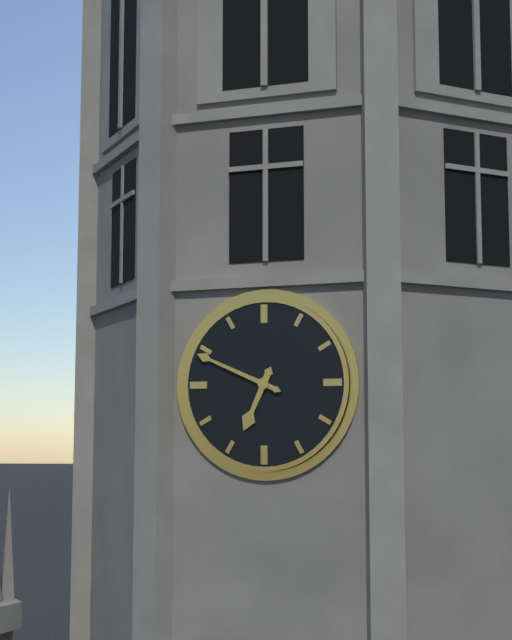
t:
6:49
